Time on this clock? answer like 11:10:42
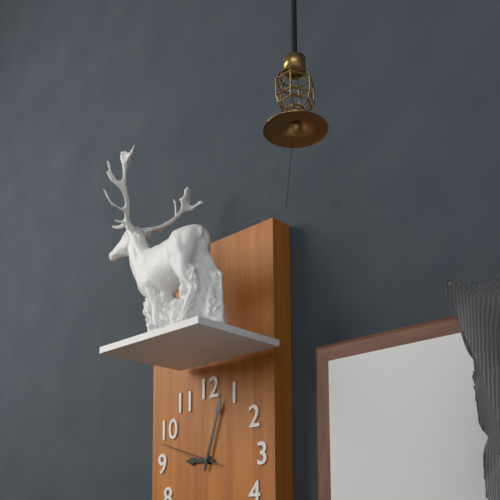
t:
9:03:48
